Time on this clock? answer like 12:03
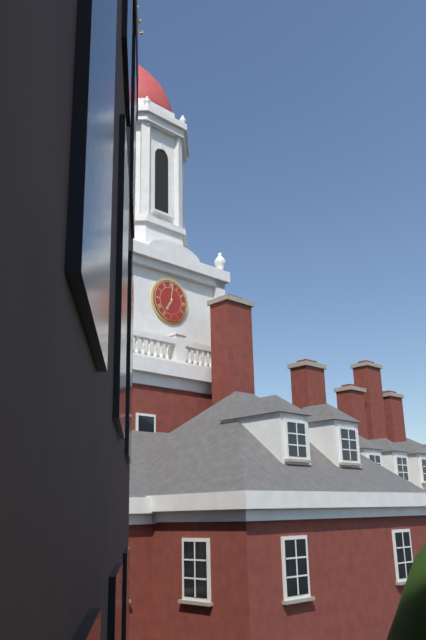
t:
7:01
